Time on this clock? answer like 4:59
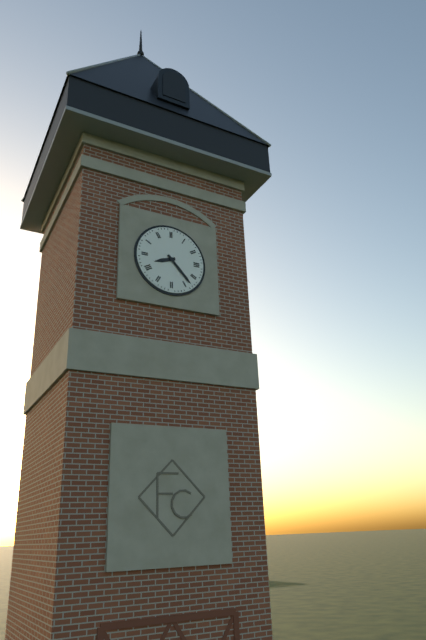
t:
8:23
